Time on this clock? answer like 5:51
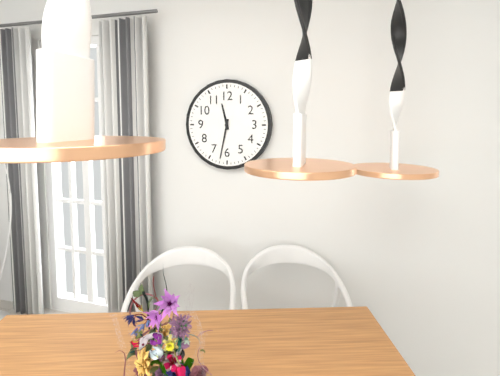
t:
11:32
